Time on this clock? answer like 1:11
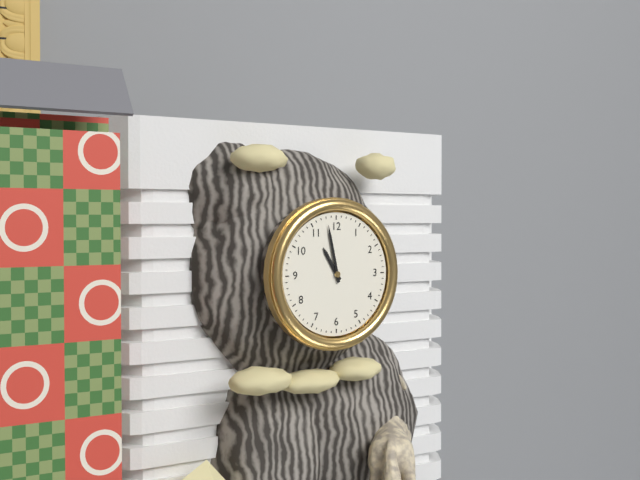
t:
10:58
